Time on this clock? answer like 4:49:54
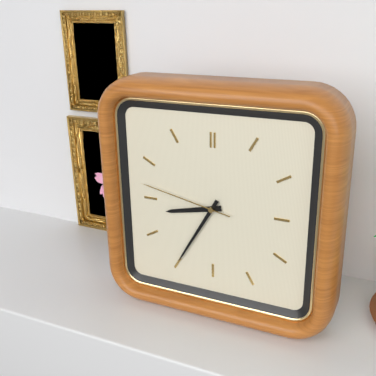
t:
8:35:47
